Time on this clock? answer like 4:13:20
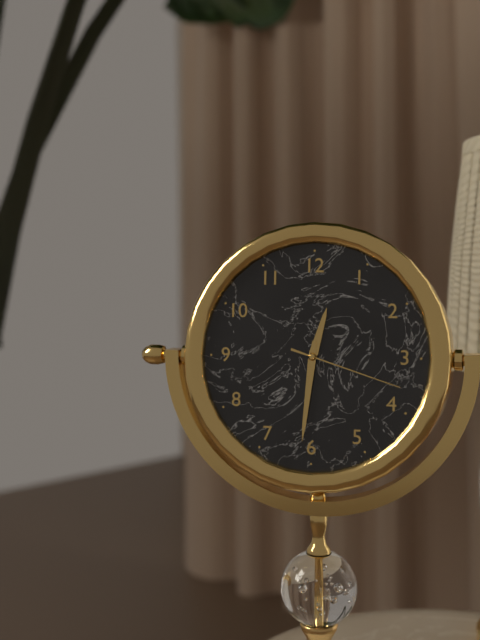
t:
12:31:18
